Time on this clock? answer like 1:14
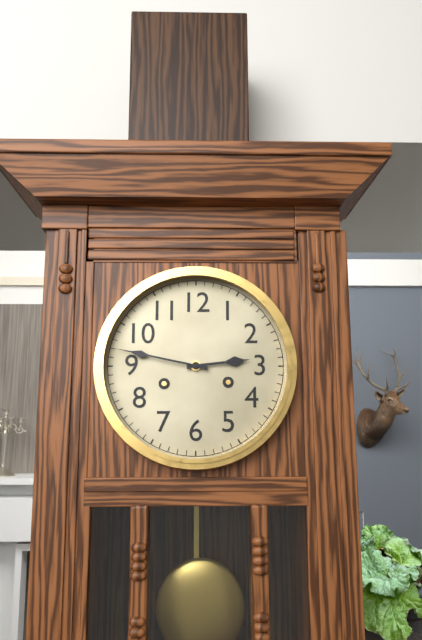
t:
2:47
